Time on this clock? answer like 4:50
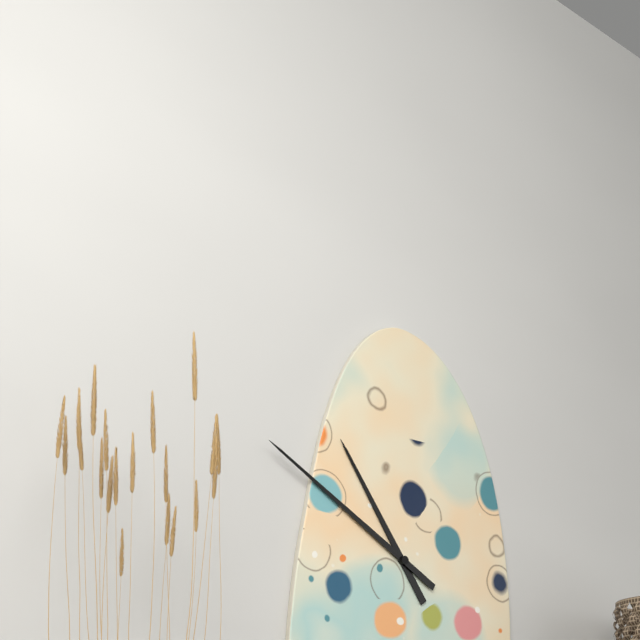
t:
10:50
